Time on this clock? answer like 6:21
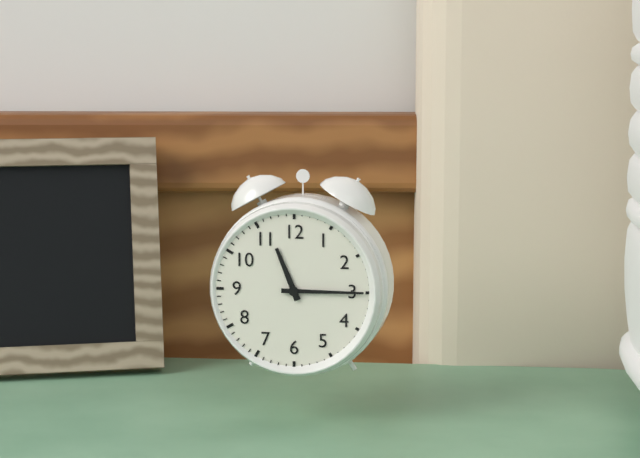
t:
11:15
